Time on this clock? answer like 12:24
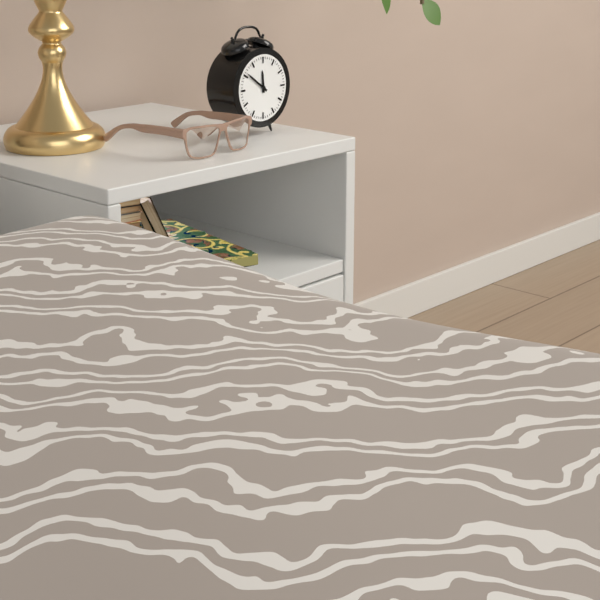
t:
11:51
